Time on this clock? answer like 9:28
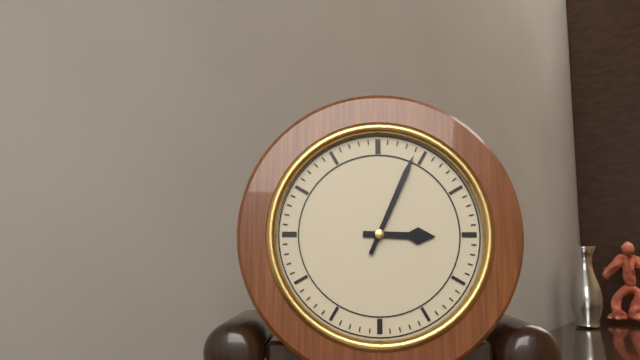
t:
3:04
